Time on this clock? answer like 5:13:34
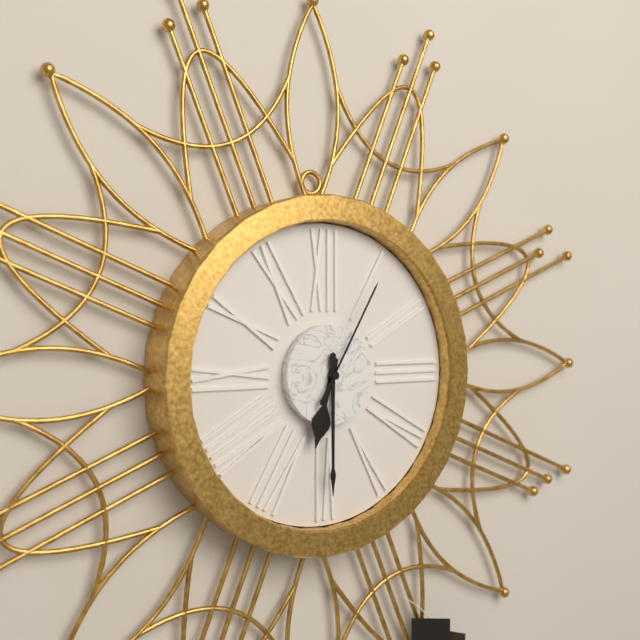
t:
6:30:05
